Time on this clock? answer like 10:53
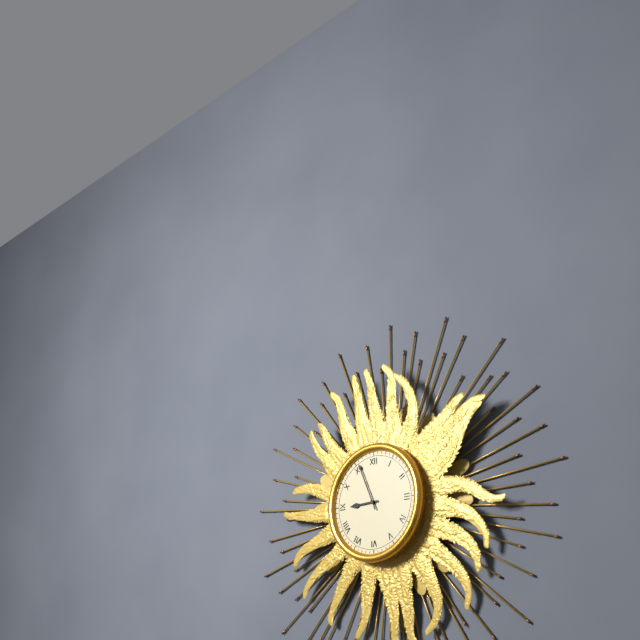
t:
8:56
